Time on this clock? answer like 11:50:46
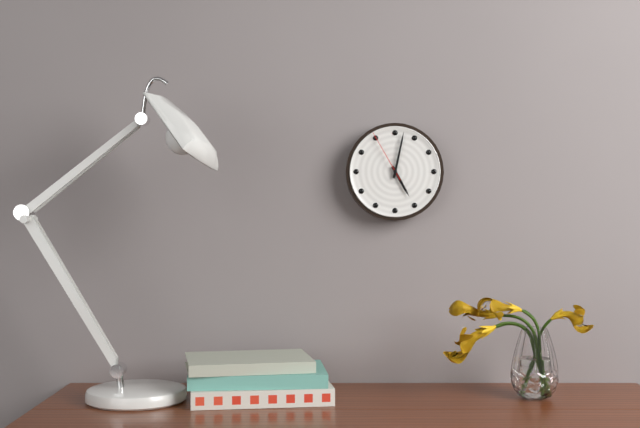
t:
5:02:55
